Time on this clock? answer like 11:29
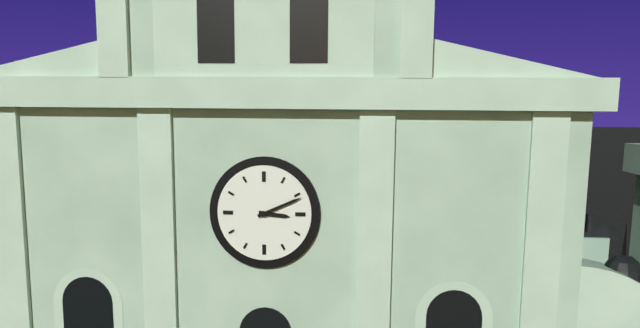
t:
3:11
